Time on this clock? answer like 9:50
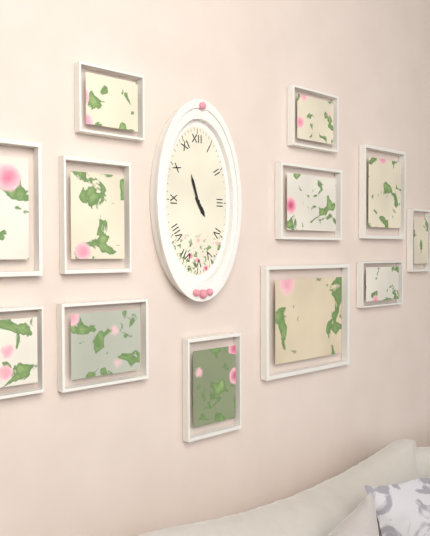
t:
4:57
